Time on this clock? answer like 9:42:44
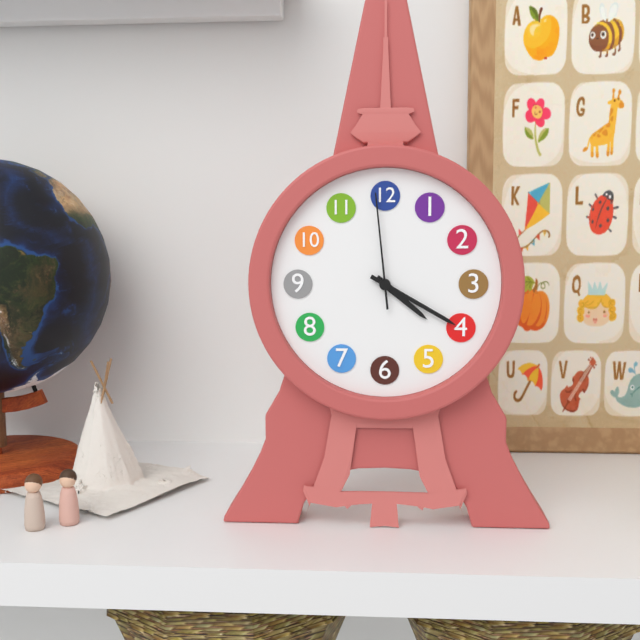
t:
4:20:59
